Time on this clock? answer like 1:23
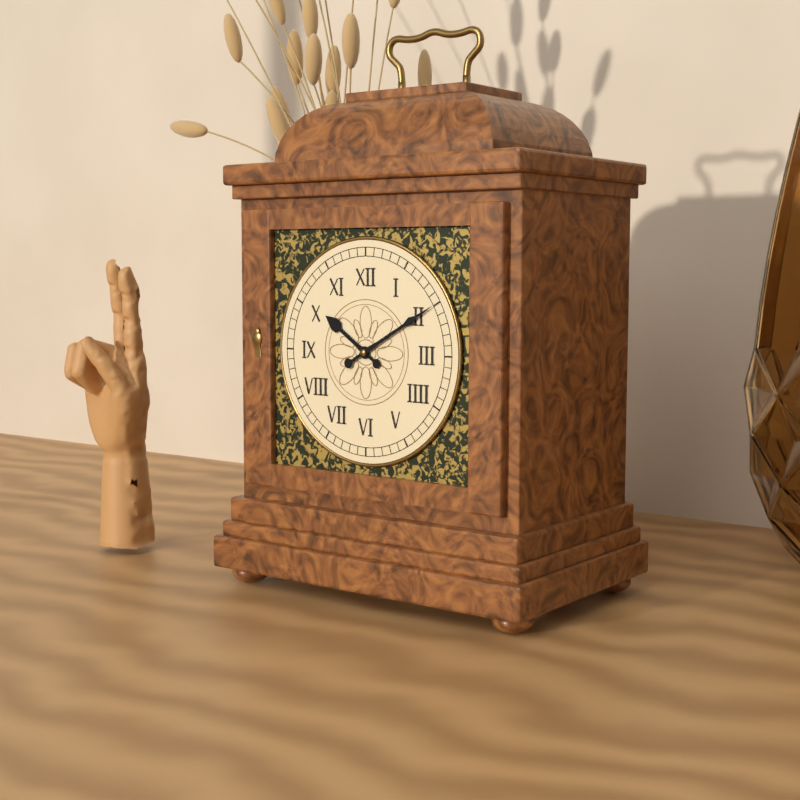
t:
10:10
